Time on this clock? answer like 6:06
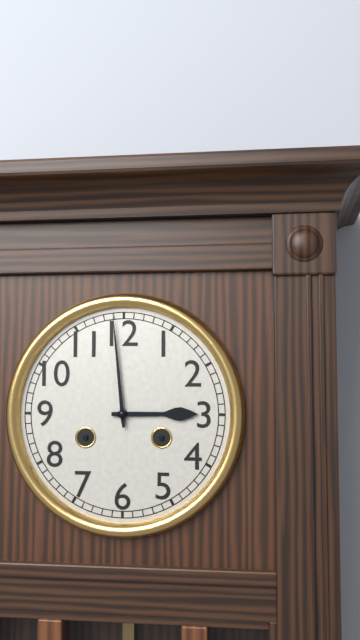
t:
2:59
